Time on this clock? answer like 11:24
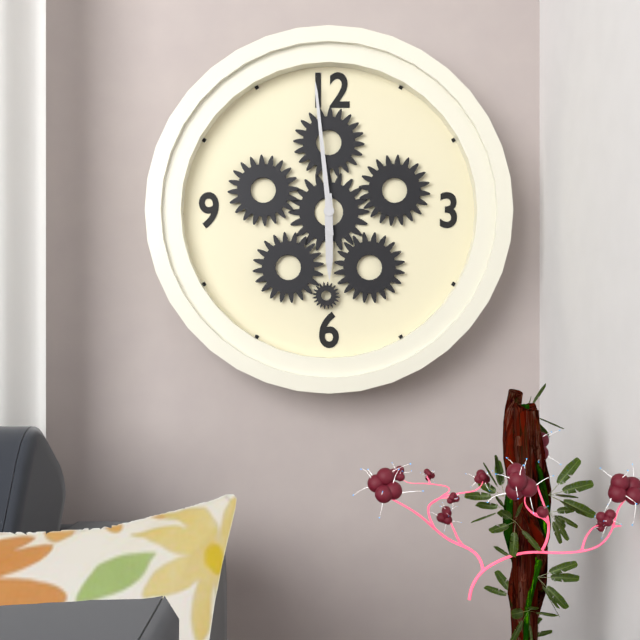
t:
5:59
